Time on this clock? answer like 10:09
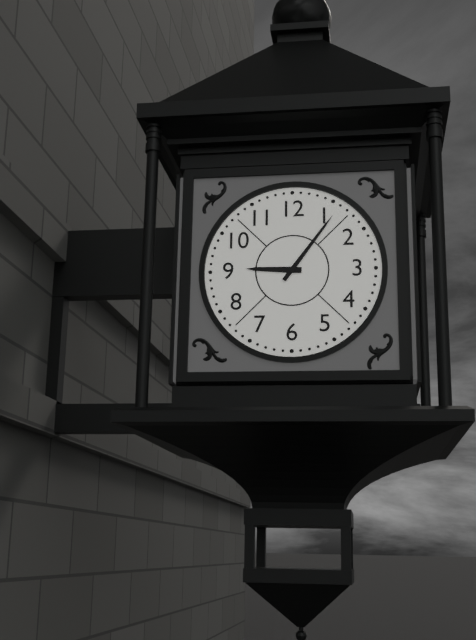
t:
9:06
